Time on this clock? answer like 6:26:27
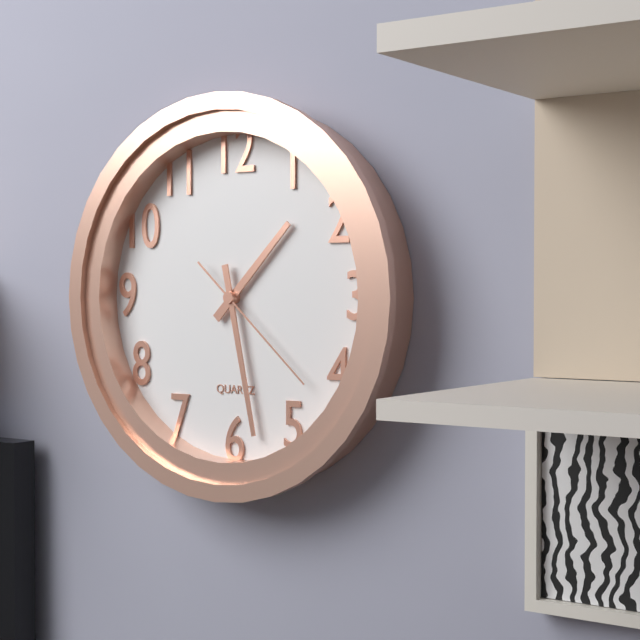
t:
1:28:22
